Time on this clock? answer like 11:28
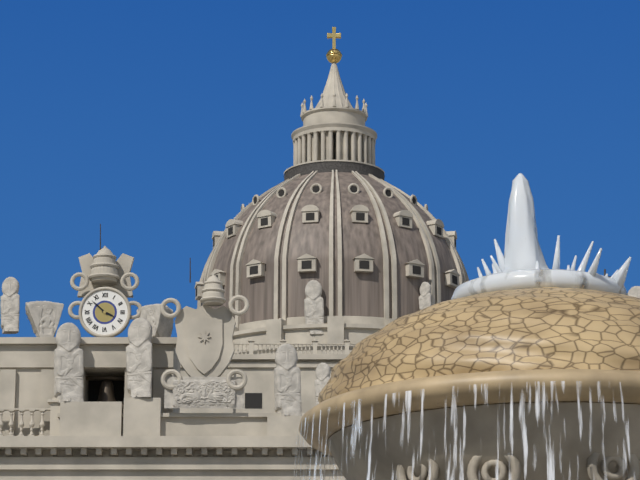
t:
3:52
